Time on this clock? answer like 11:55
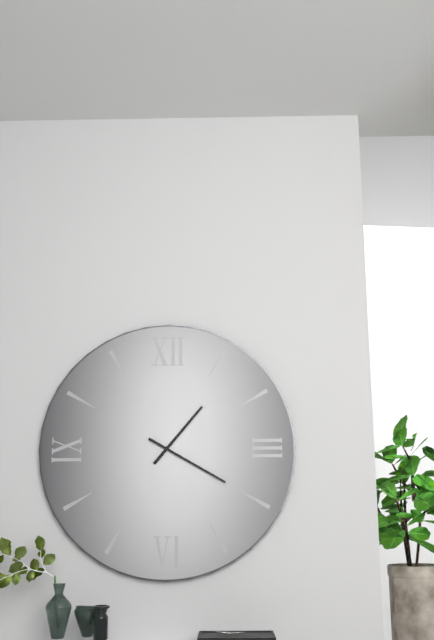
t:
1:20
